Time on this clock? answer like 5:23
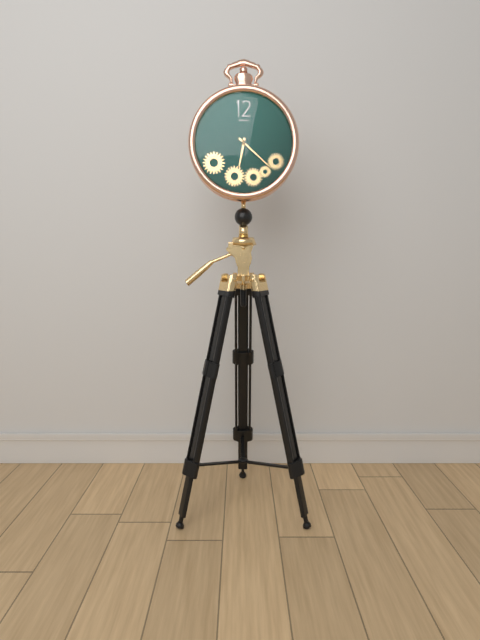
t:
6:22
